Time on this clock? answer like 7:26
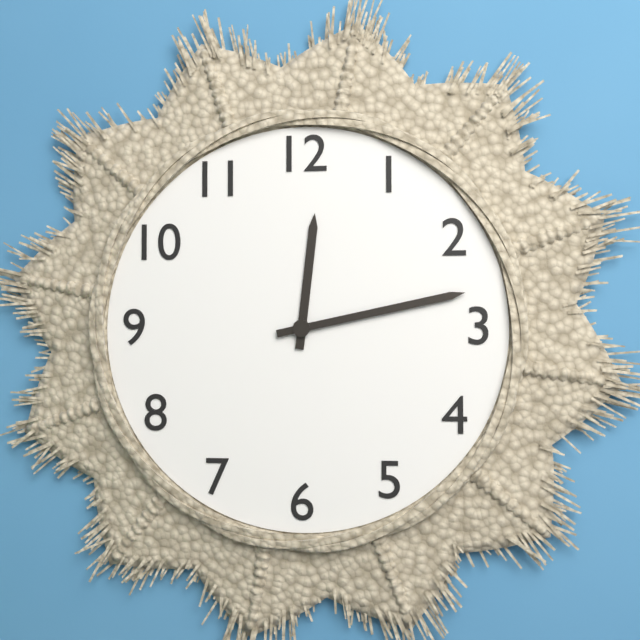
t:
12:13
